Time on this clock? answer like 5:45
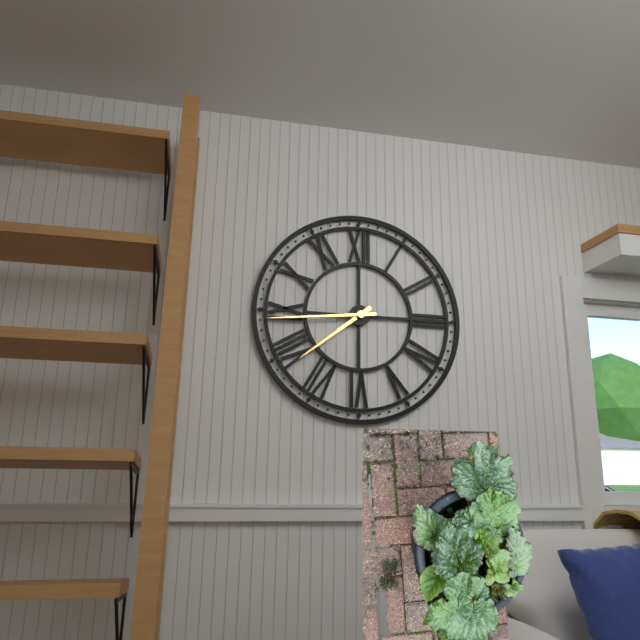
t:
7:44
